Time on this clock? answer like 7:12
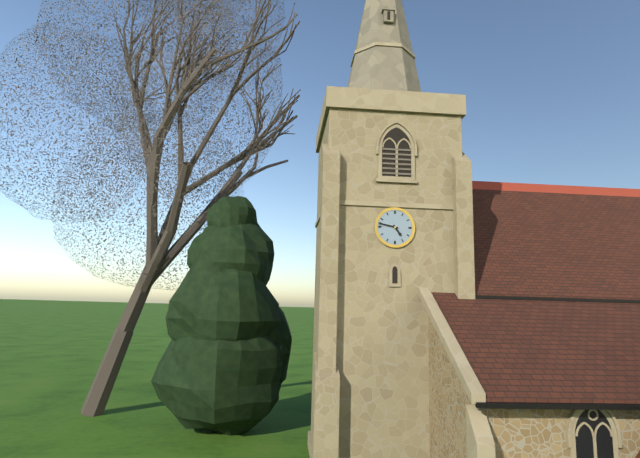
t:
4:47
